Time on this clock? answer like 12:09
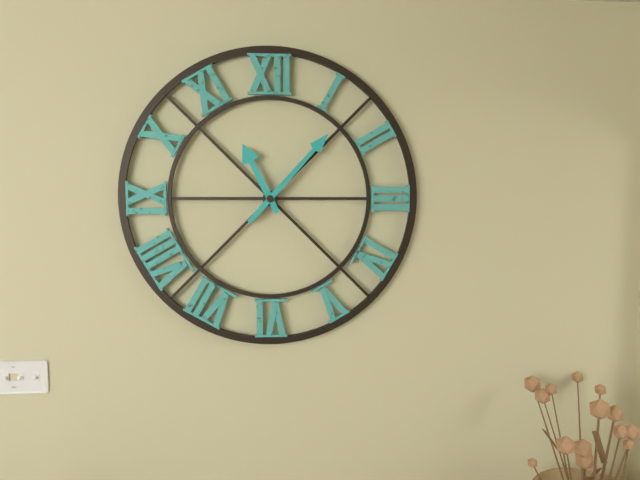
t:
11:07
